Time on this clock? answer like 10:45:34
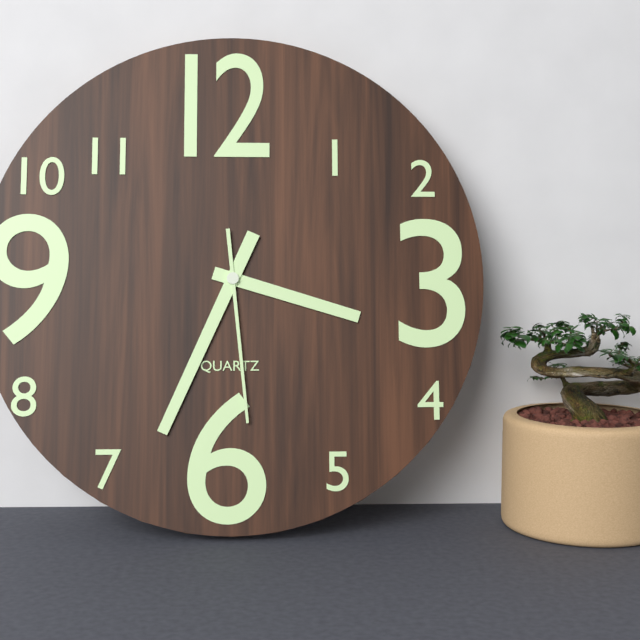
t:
3:34:29
